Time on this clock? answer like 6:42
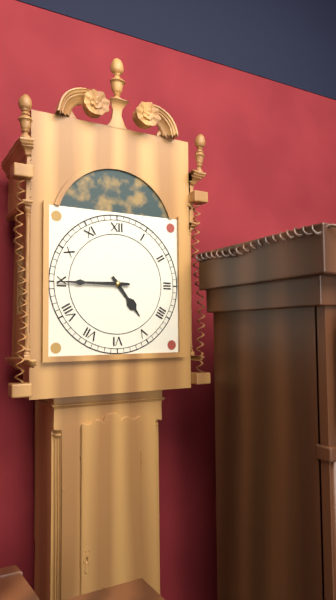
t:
4:45
